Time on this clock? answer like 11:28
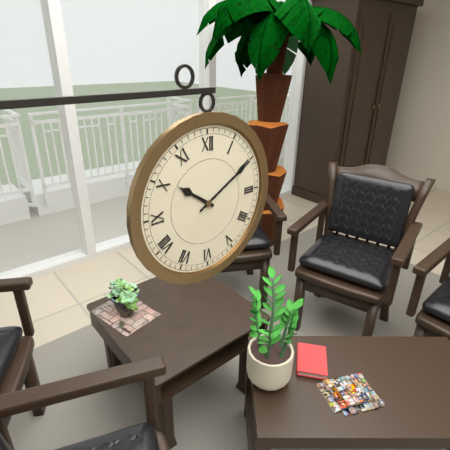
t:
10:10
